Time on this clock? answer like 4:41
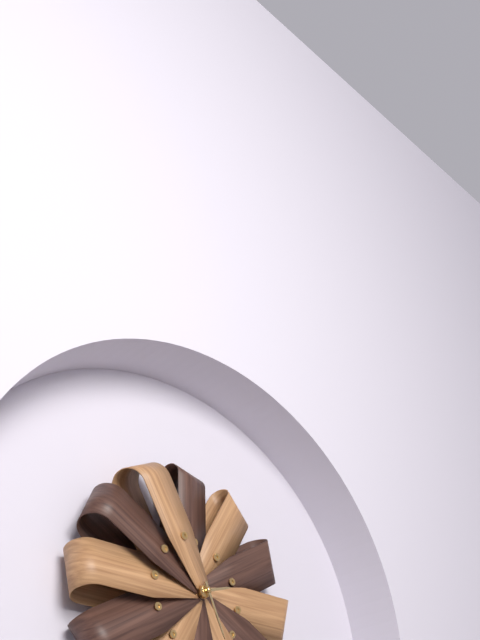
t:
2:26
